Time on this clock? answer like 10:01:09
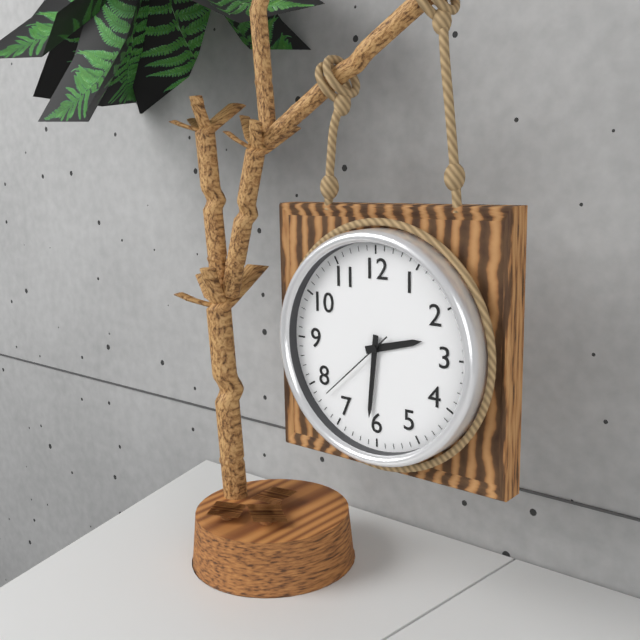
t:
2:31:38
